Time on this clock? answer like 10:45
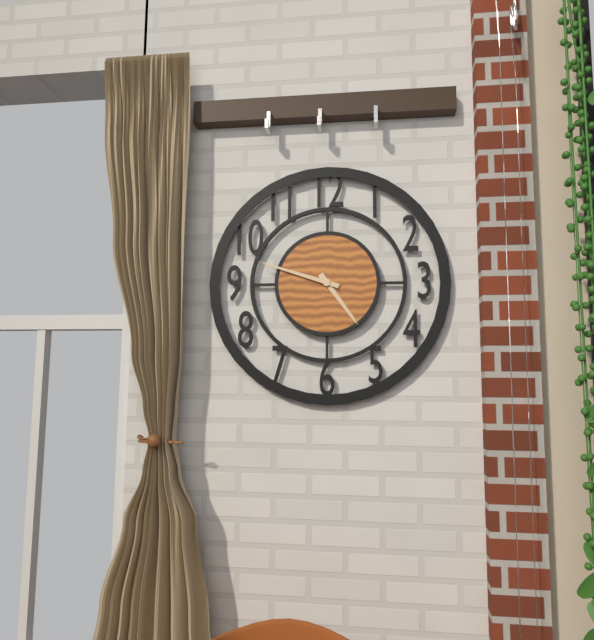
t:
4:48
